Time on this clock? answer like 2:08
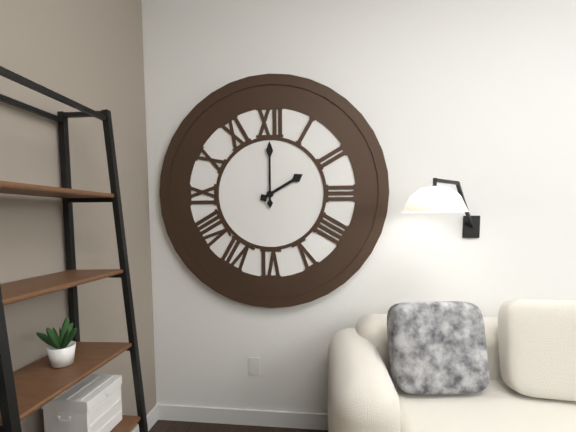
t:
2:00
